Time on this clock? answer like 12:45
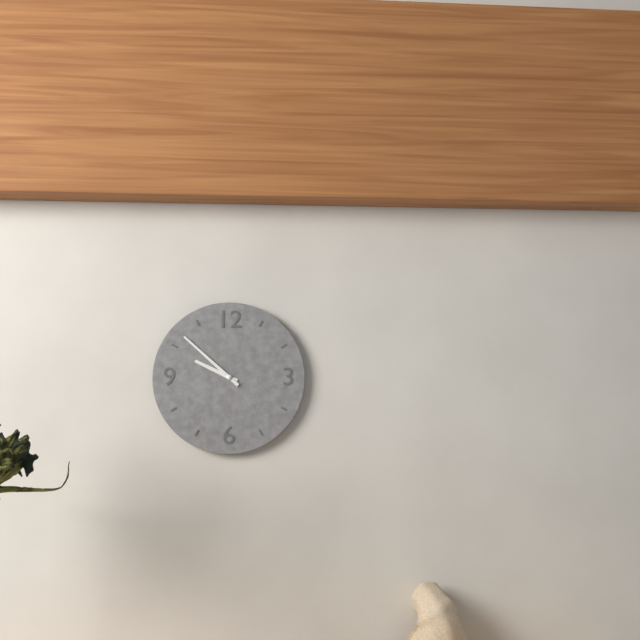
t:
9:52
